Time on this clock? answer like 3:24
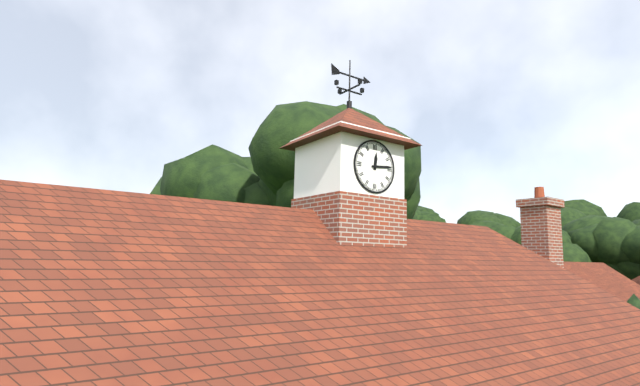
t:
12:14
